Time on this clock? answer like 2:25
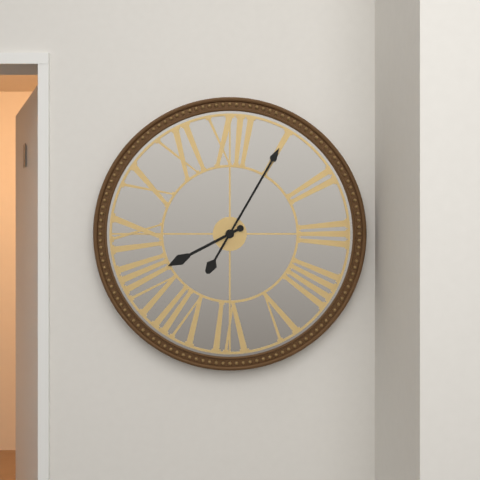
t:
8:05
